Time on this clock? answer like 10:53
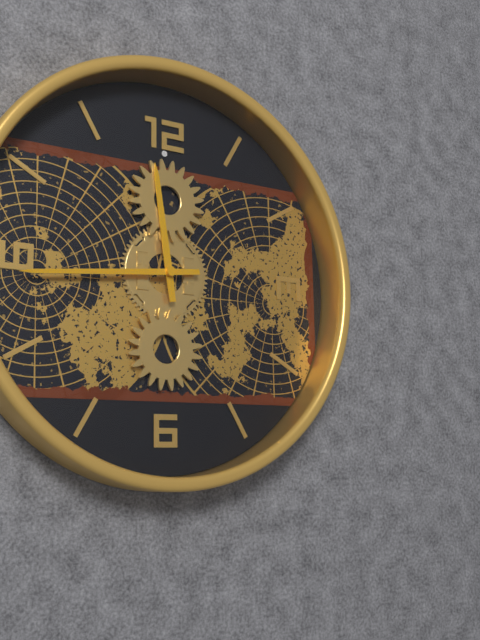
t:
11:44
